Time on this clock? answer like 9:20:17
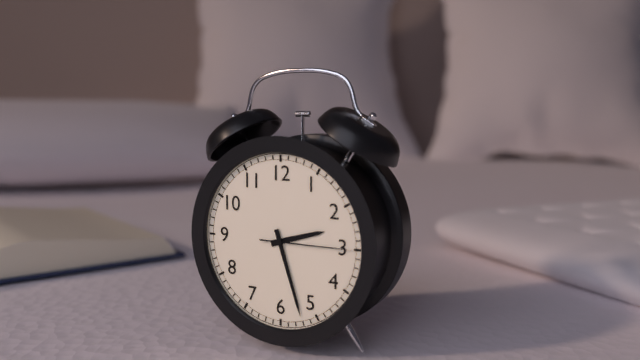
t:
2:27:15
